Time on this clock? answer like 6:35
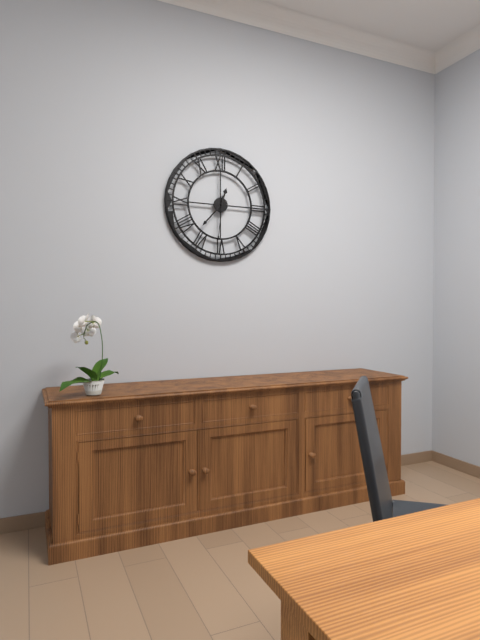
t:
12:37
